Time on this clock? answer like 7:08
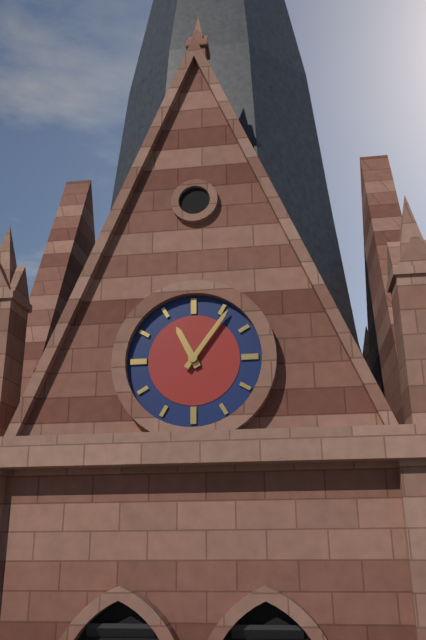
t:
11:06
